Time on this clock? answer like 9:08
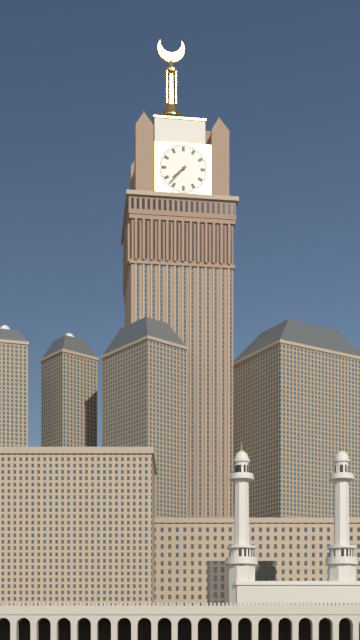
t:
7:37
